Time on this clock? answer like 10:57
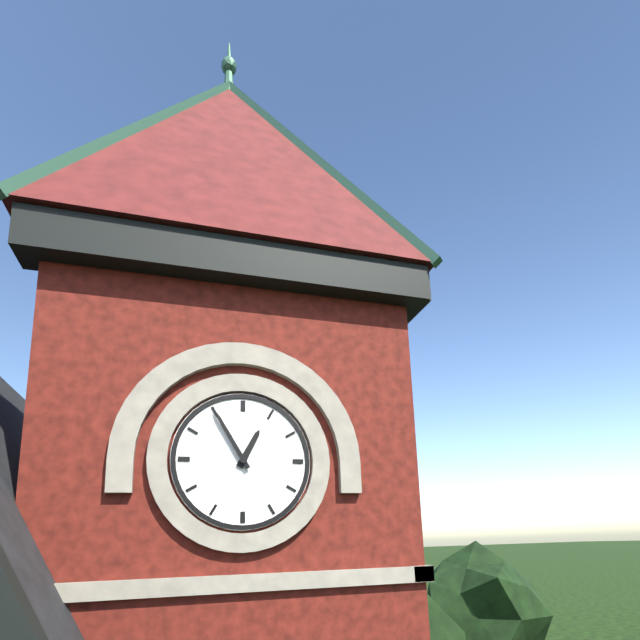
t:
12:55
